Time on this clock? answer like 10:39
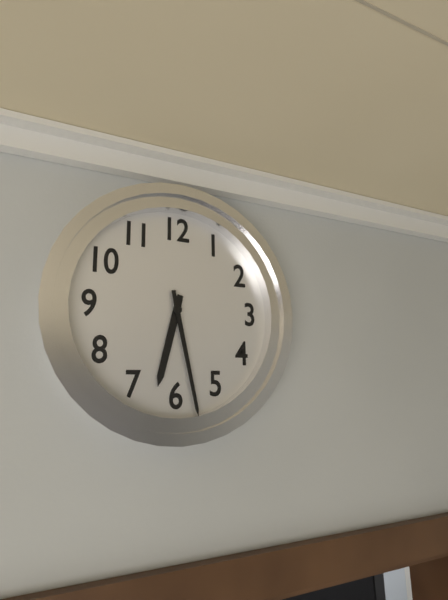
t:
6:28
